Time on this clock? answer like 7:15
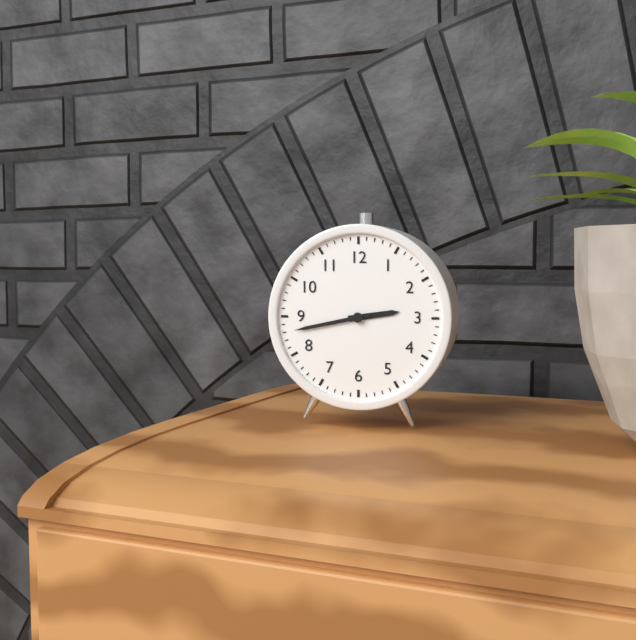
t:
2:43
